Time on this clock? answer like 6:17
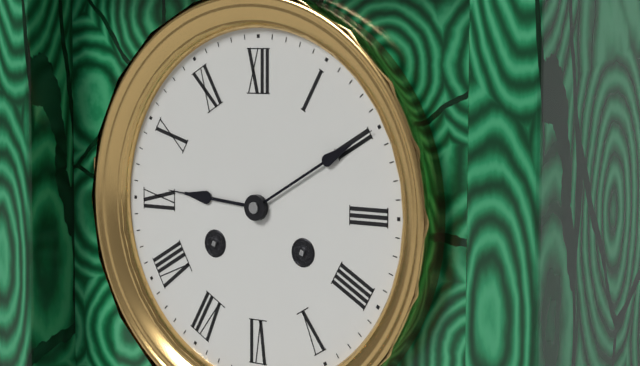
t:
9:10
